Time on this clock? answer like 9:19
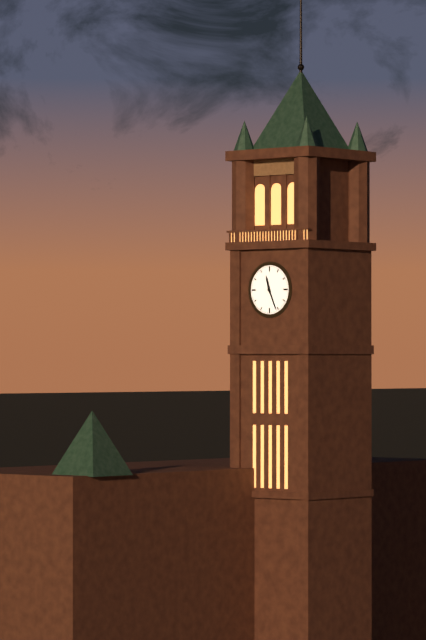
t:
11:26
